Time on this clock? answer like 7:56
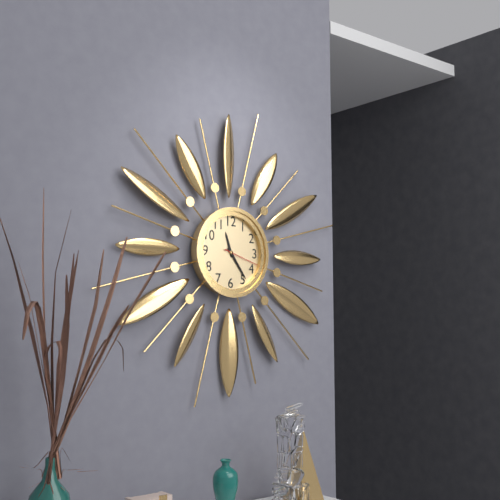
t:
11:24
